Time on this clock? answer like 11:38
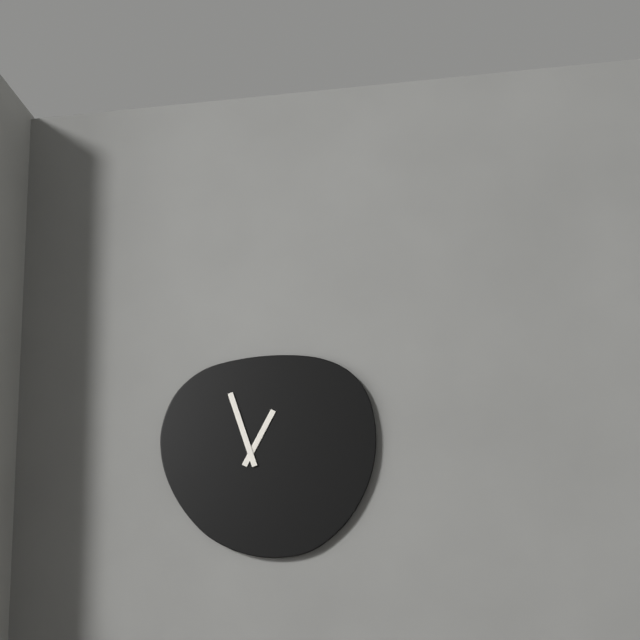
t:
12:57
